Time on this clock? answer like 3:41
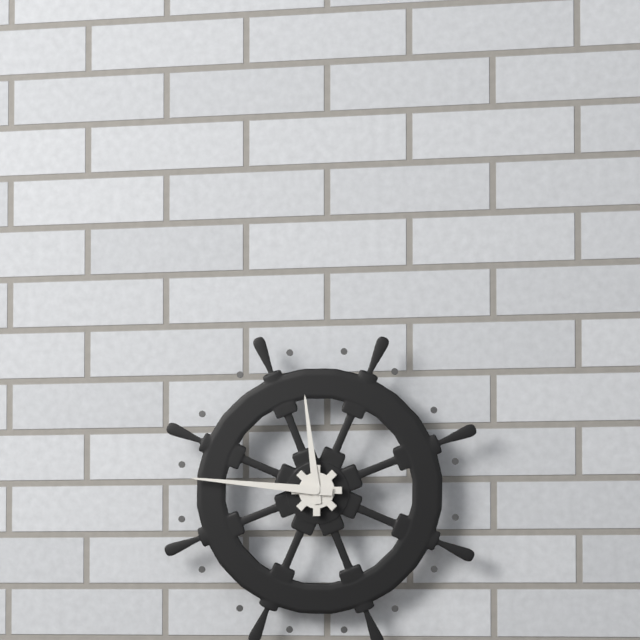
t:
11:46
